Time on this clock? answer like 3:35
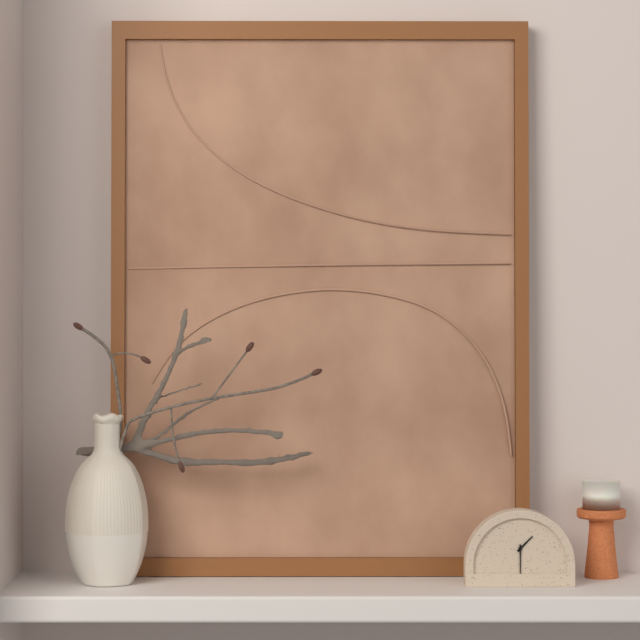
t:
1:30
